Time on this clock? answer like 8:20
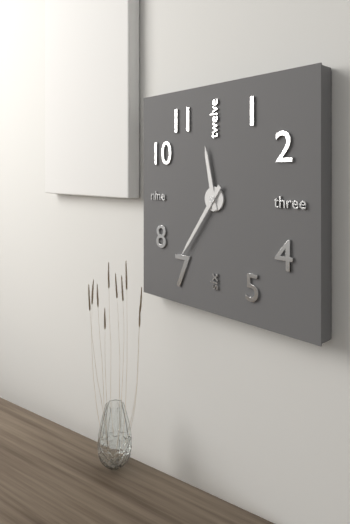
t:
11:36
